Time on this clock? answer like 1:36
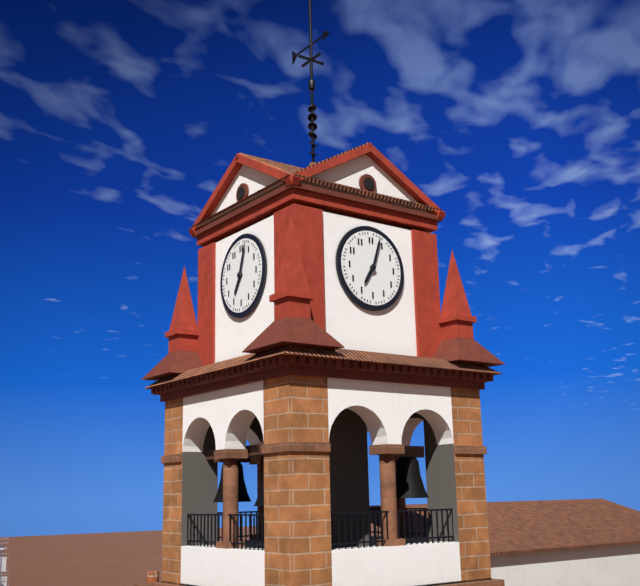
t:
7:03
